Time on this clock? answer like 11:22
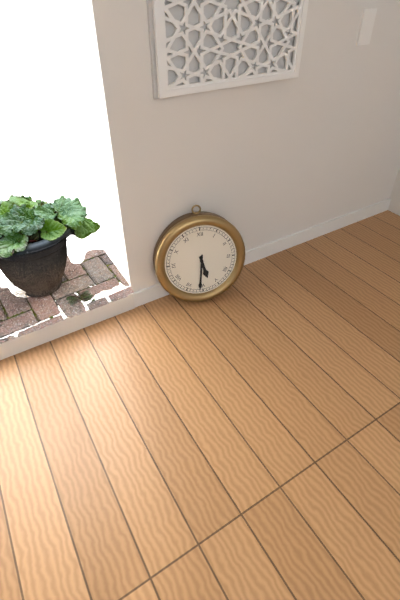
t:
5:31
